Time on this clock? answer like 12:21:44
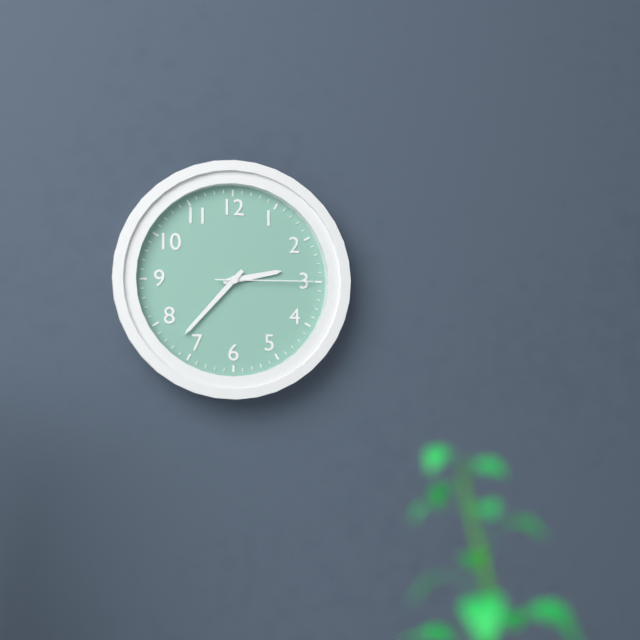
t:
2:37:15
